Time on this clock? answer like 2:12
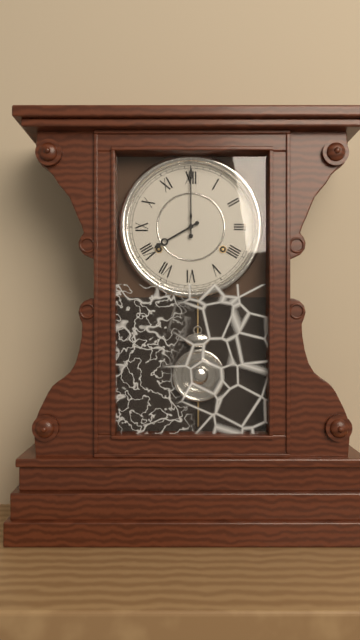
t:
8:00
